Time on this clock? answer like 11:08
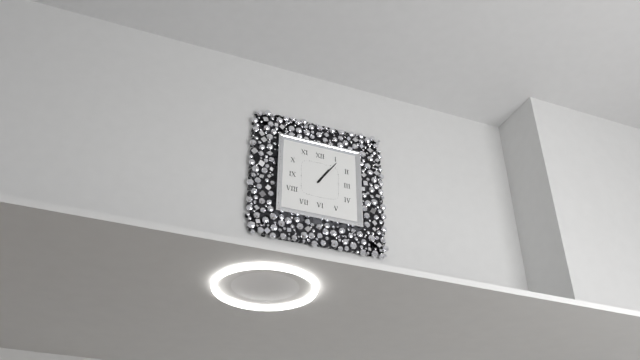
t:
1:06
